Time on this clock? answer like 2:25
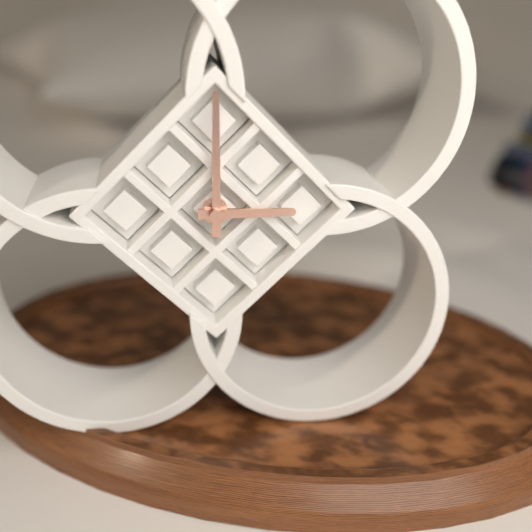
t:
3:00
